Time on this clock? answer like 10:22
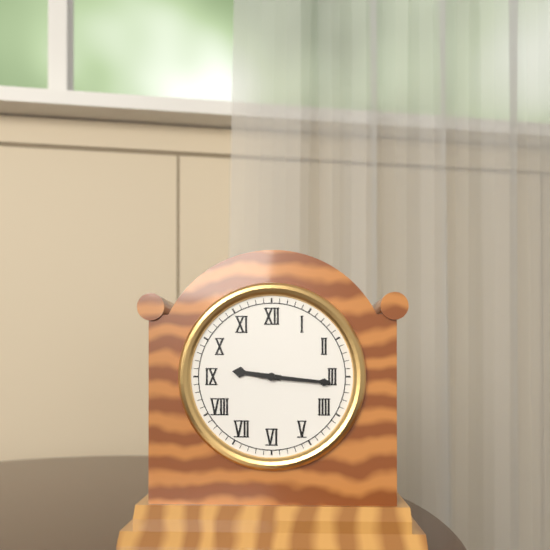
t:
9:16
